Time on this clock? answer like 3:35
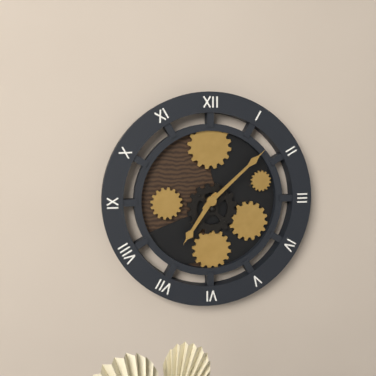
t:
7:08
